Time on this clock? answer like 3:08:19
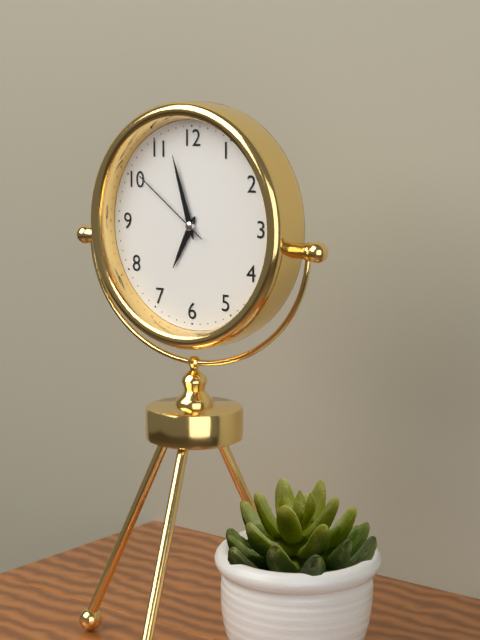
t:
6:57:51
